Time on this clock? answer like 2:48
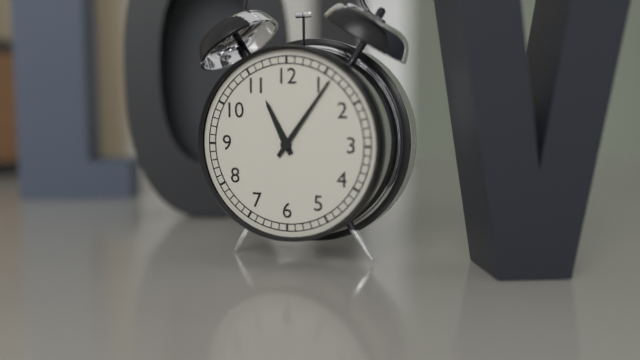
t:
11:06
